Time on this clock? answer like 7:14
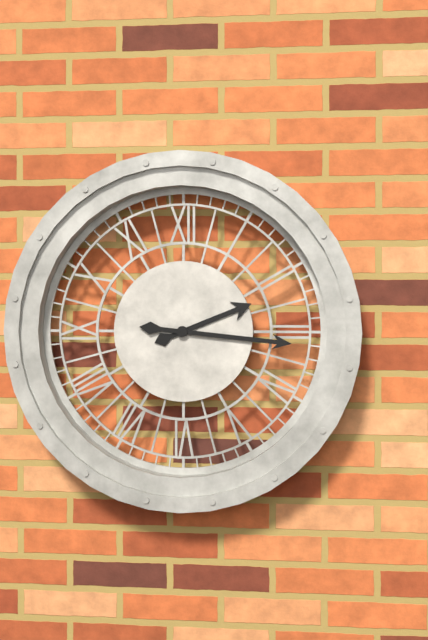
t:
2:16
